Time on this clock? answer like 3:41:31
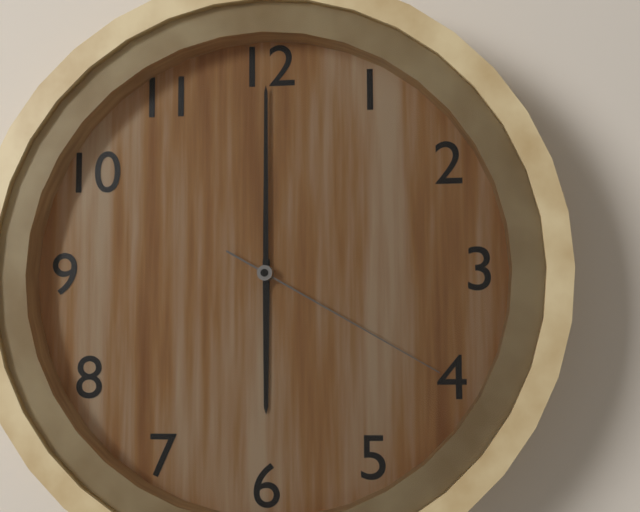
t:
6:00:20
